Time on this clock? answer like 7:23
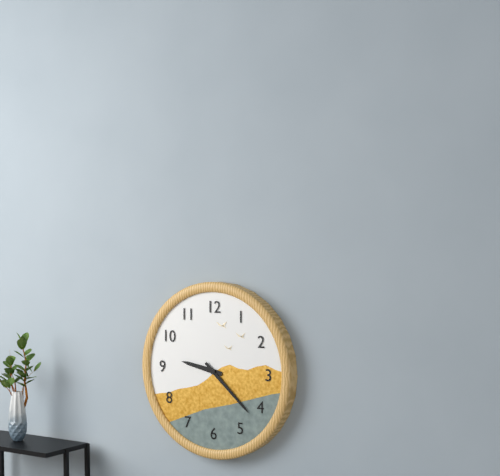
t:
9:22
